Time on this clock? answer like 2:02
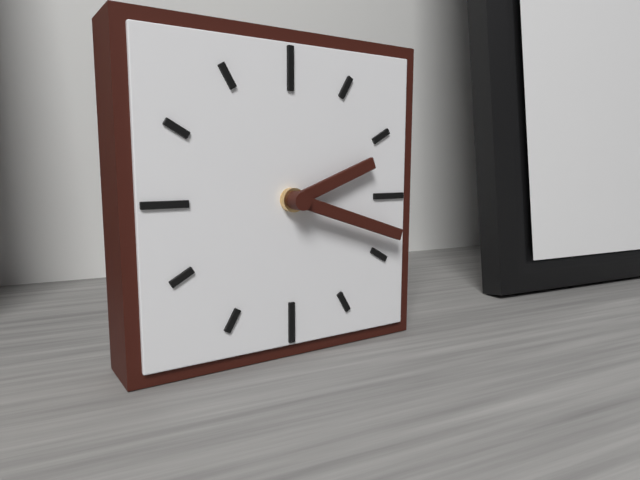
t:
2:18
